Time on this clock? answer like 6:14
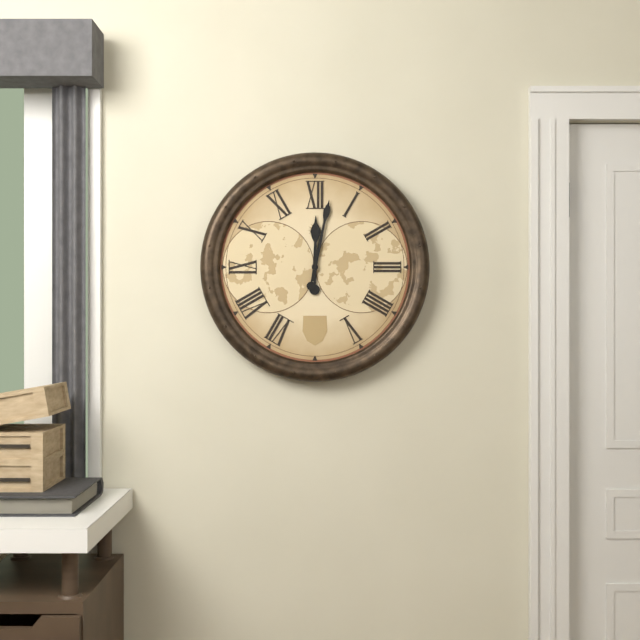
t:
12:02
